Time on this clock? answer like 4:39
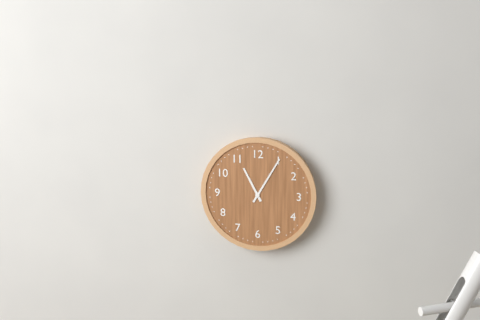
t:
11:05
